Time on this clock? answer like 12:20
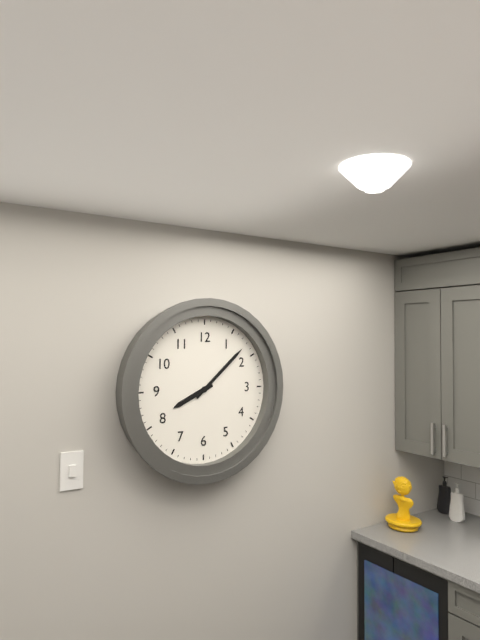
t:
8:08
